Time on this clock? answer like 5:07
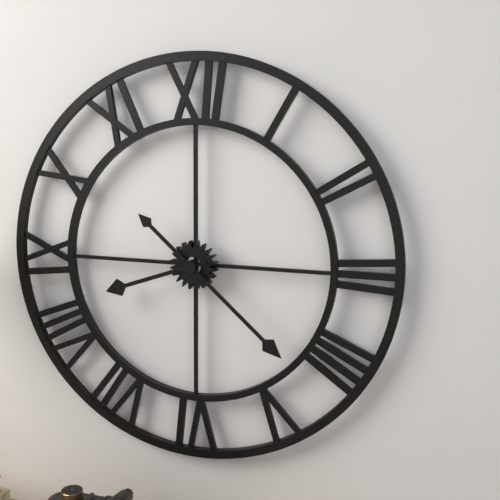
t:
8:22
